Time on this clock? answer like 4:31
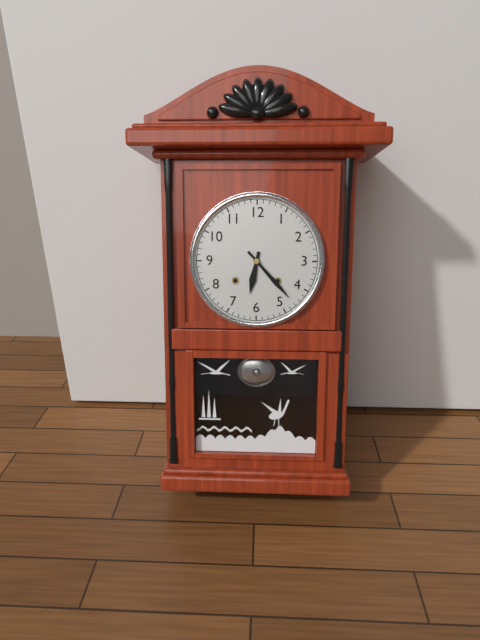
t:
6:23
